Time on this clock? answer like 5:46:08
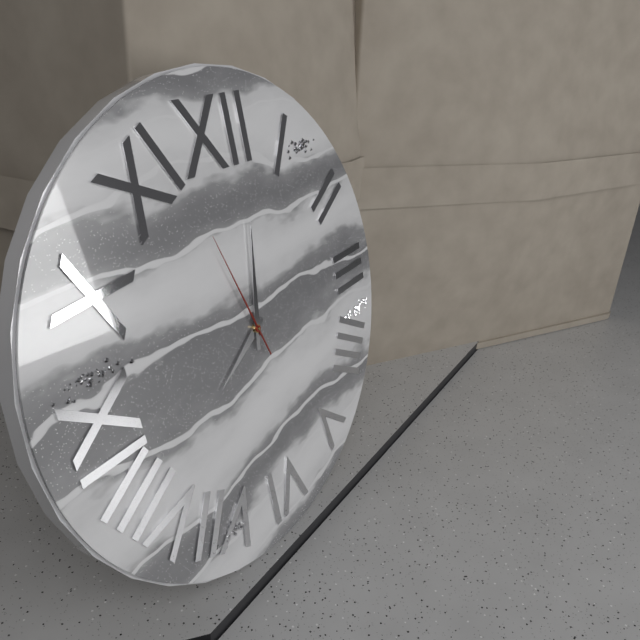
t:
8:02:57
